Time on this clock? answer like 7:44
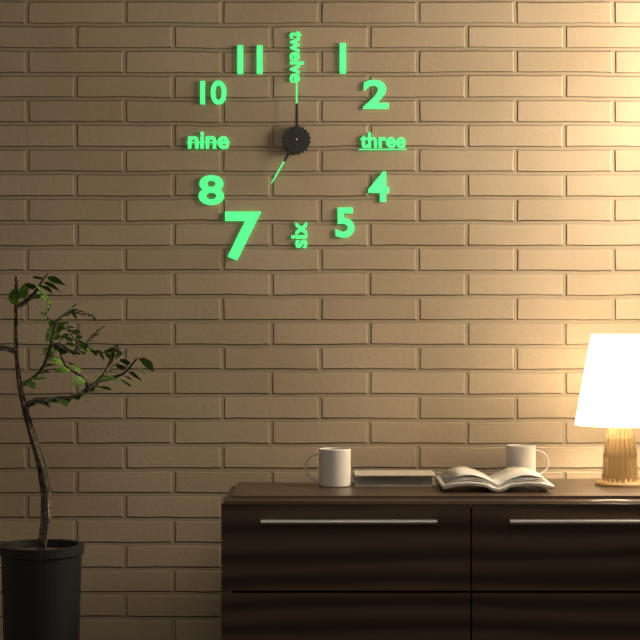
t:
7:00
